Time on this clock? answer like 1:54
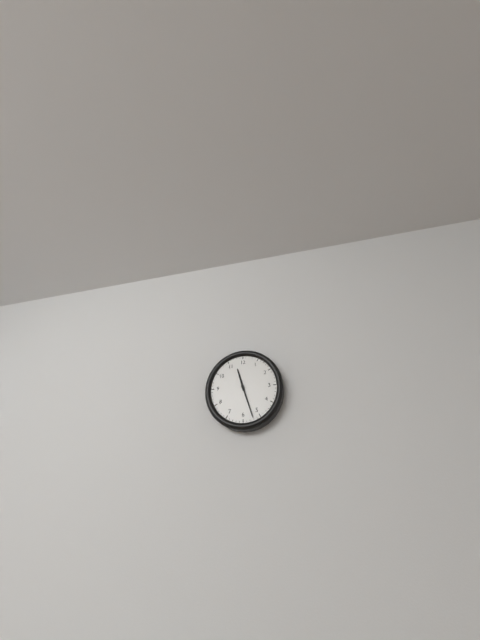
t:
11:27
